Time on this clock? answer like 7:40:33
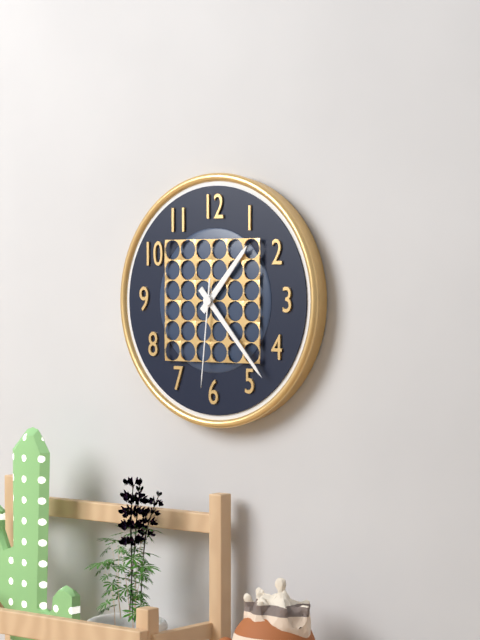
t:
1:23:31
